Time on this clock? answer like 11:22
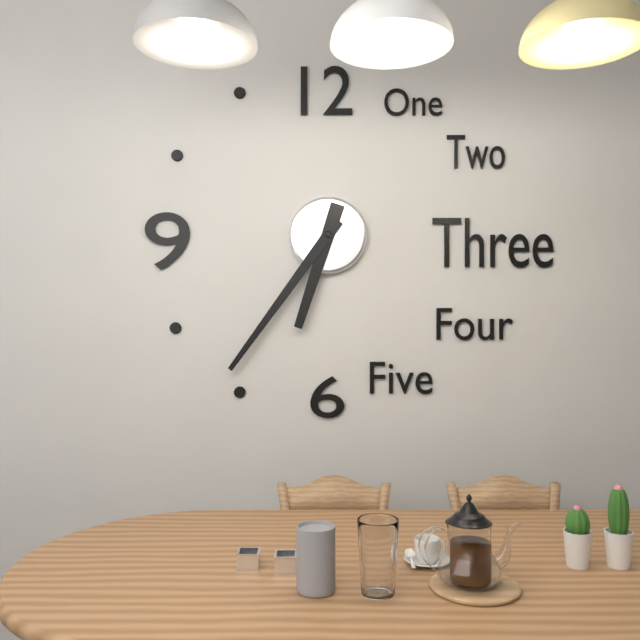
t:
6:36
